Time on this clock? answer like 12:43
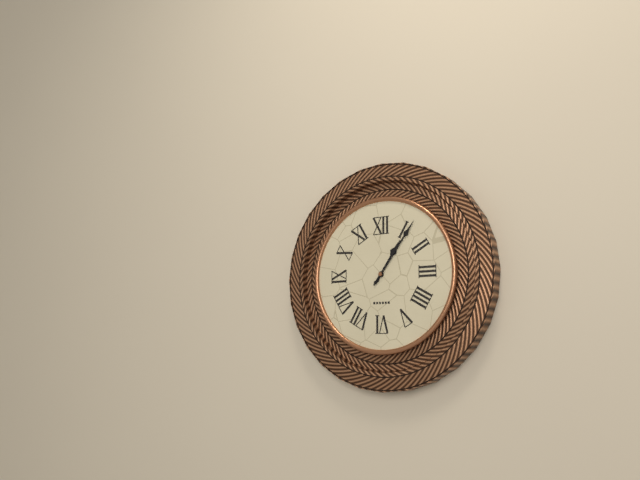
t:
1:06
